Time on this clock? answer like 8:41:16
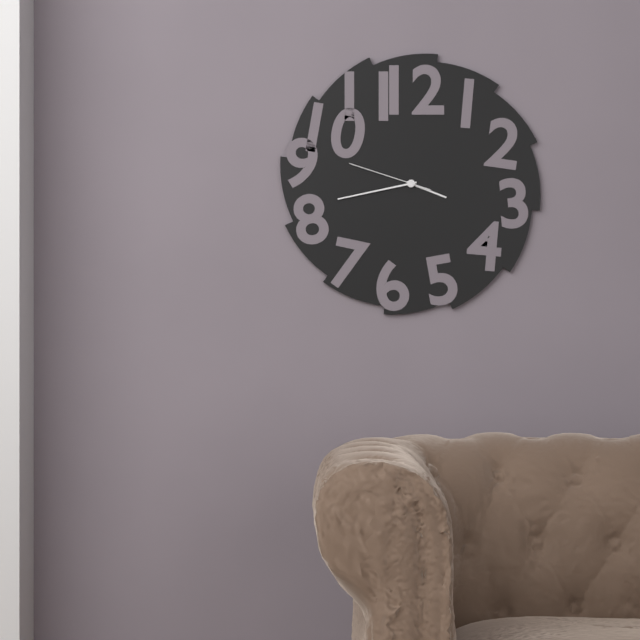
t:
3:43:48
